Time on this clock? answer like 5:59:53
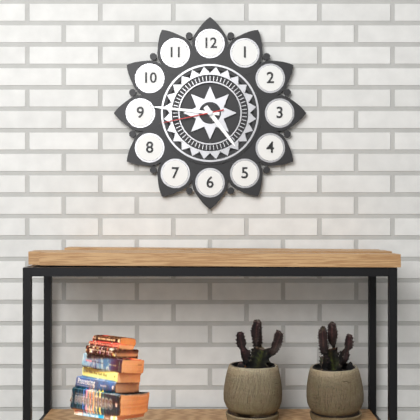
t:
4:46:43
